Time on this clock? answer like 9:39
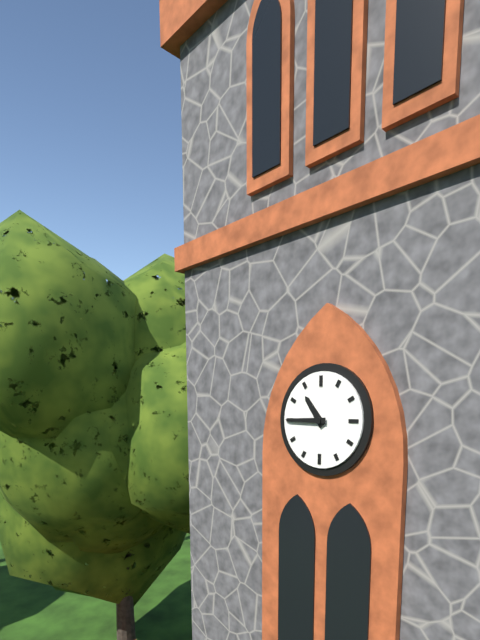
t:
10:45
